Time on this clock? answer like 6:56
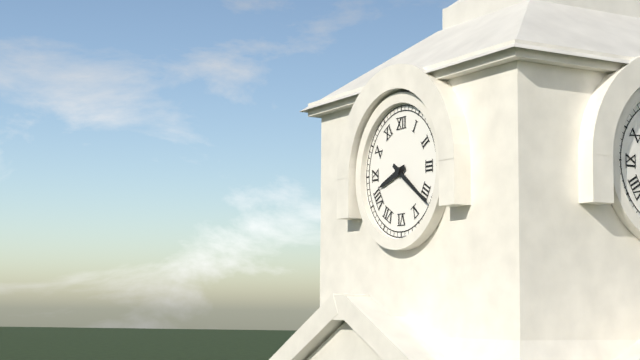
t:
8:21
